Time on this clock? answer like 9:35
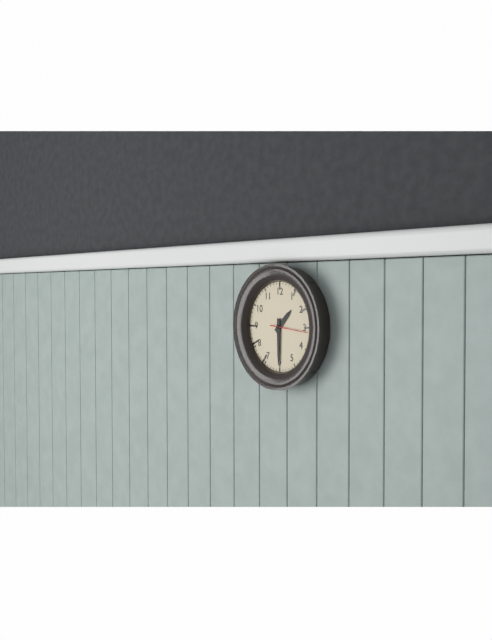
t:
1:30
